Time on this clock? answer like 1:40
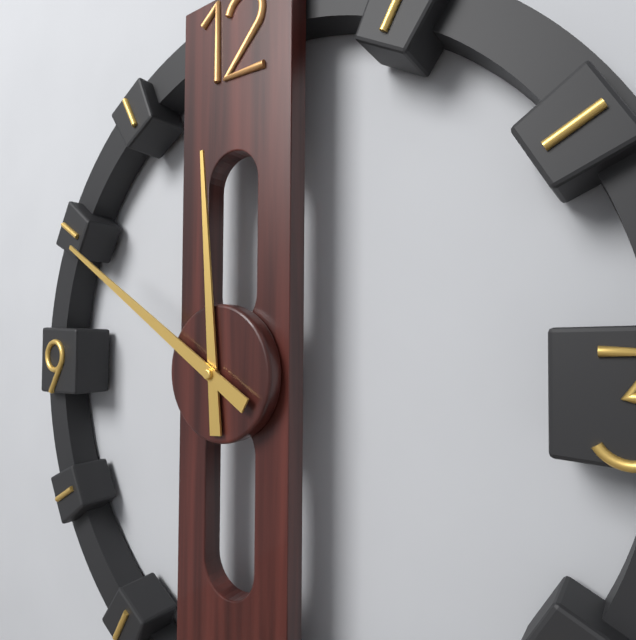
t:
11:50
